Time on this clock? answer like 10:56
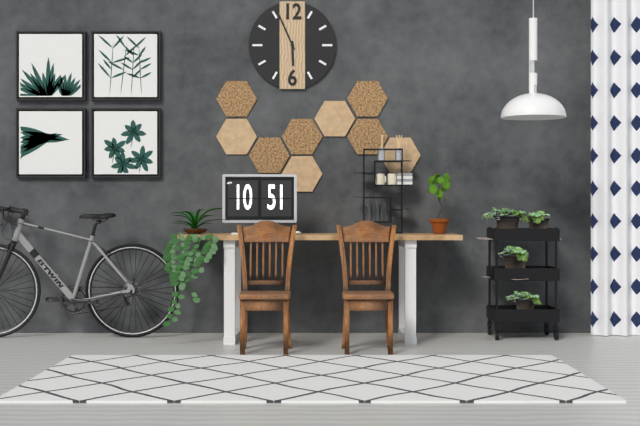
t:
5:56
